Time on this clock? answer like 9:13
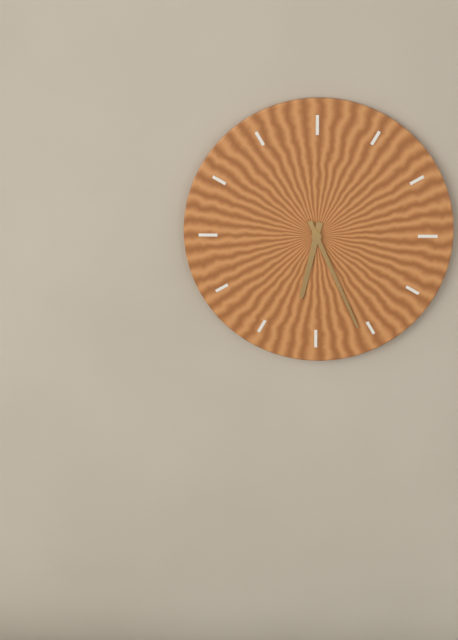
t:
6:26
